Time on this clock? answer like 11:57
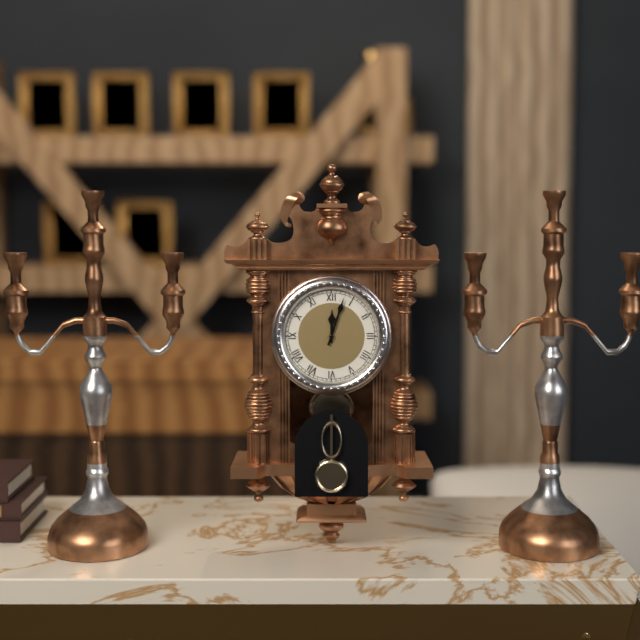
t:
12:03
